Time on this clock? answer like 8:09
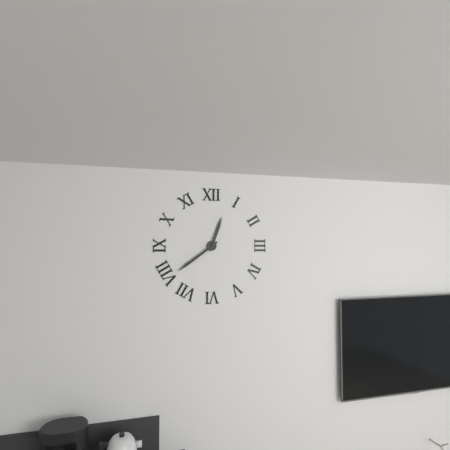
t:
12:39
